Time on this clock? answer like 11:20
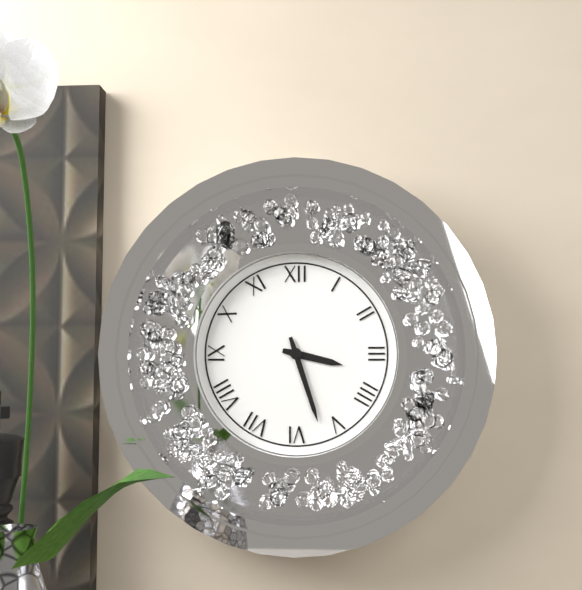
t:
3:27
